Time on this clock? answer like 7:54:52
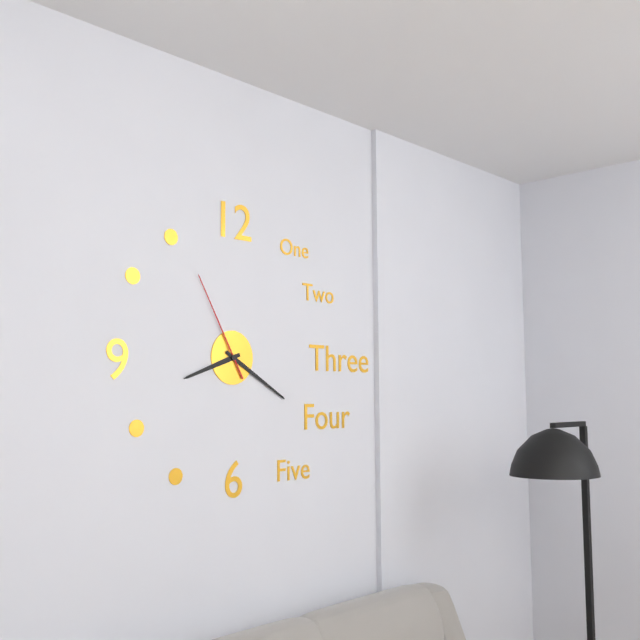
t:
8:20:55
